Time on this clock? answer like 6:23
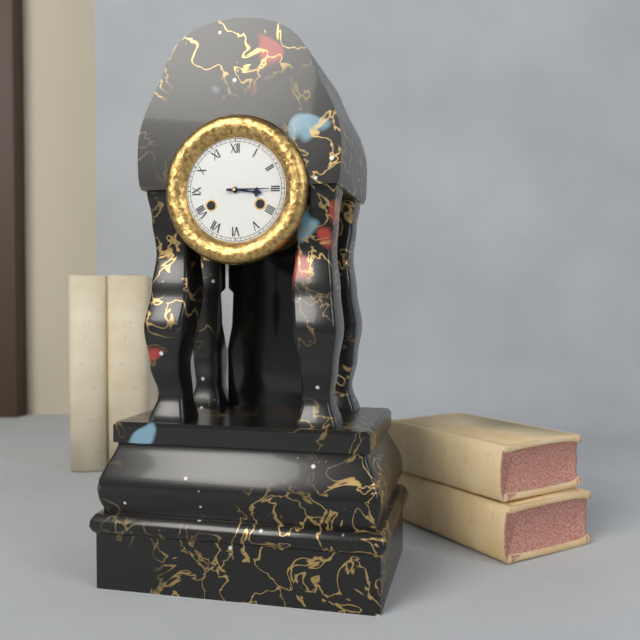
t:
3:15
